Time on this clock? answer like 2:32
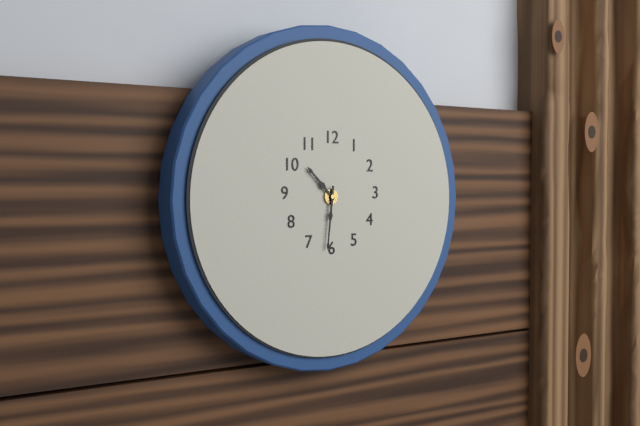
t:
10:31
